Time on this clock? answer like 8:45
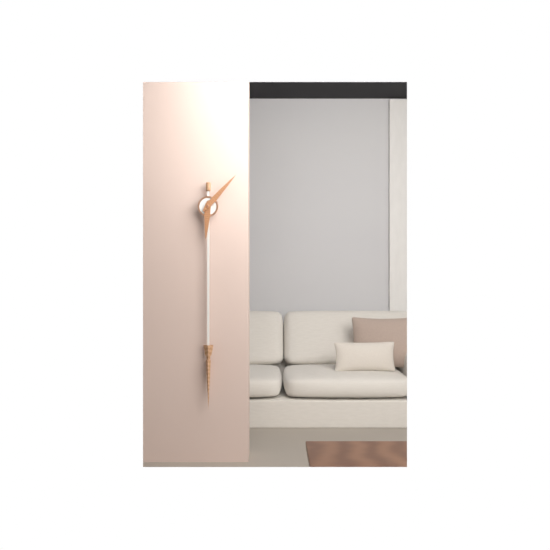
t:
6:07
